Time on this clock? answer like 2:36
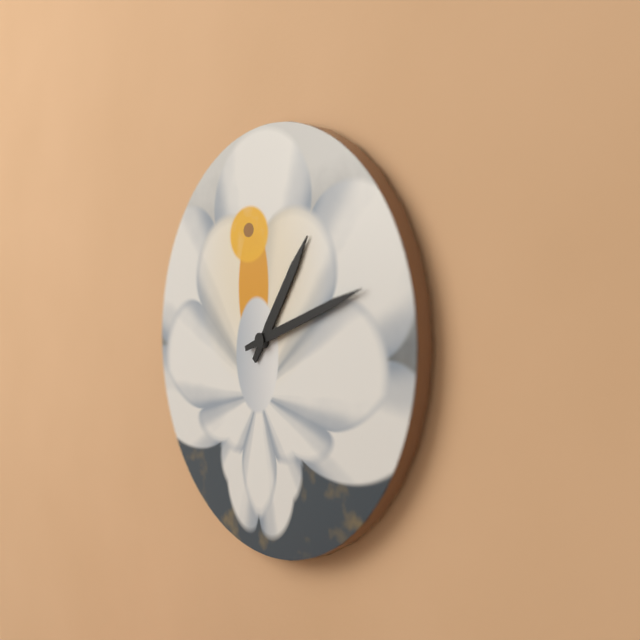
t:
1:12
